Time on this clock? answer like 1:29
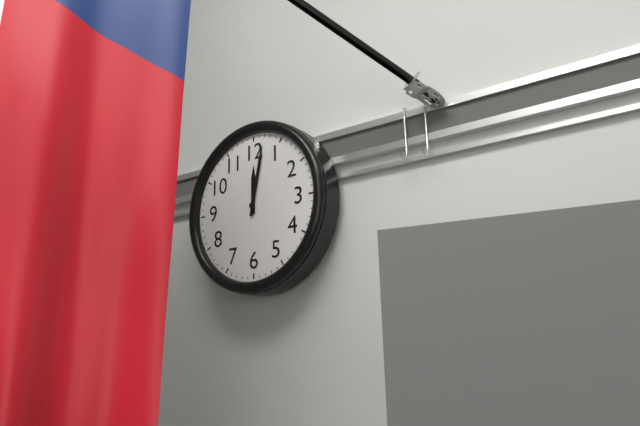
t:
12:02
